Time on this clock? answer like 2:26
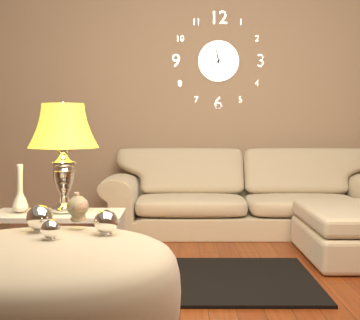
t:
11:39
